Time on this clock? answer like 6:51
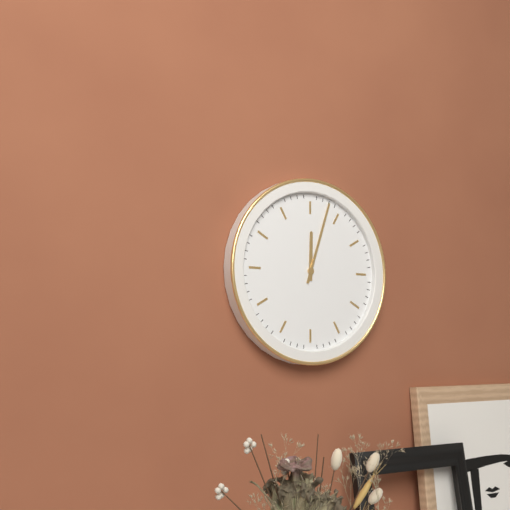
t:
12:03
